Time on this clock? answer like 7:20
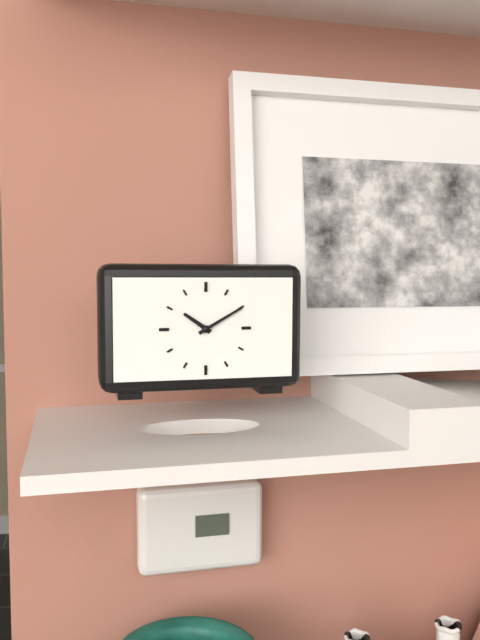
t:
10:10
